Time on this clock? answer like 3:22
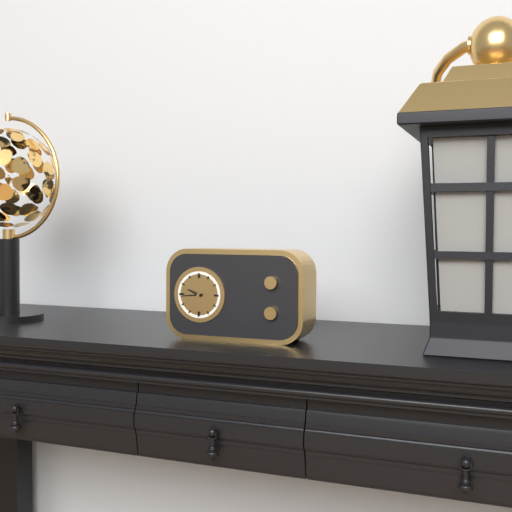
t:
9:44
